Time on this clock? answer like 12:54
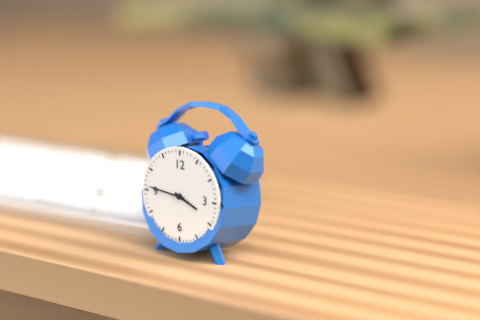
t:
3:46
